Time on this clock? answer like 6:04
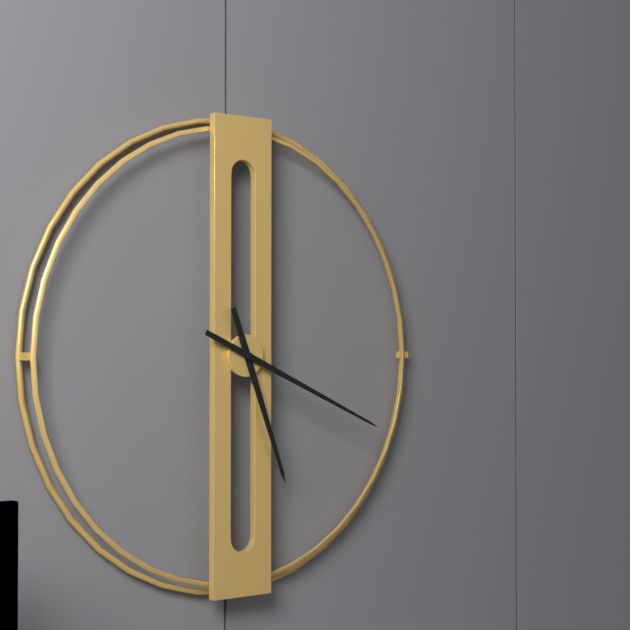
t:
5:19
